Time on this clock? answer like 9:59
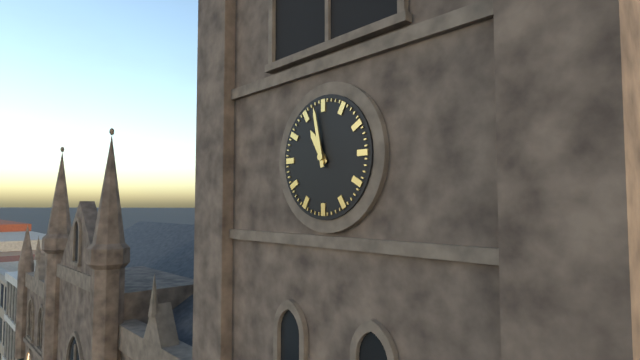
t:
10:58
